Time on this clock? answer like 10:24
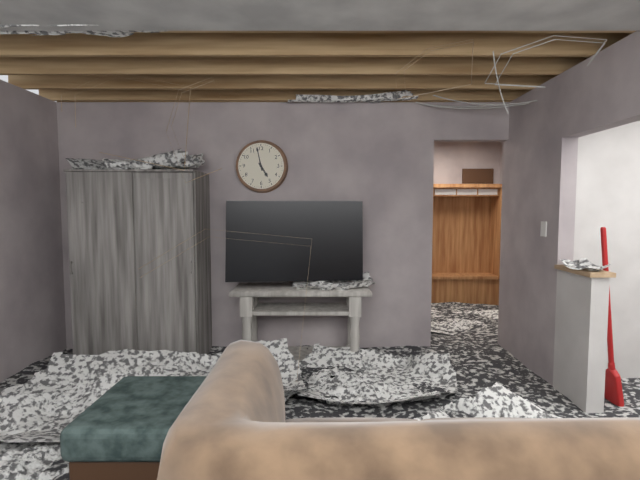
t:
4:58
